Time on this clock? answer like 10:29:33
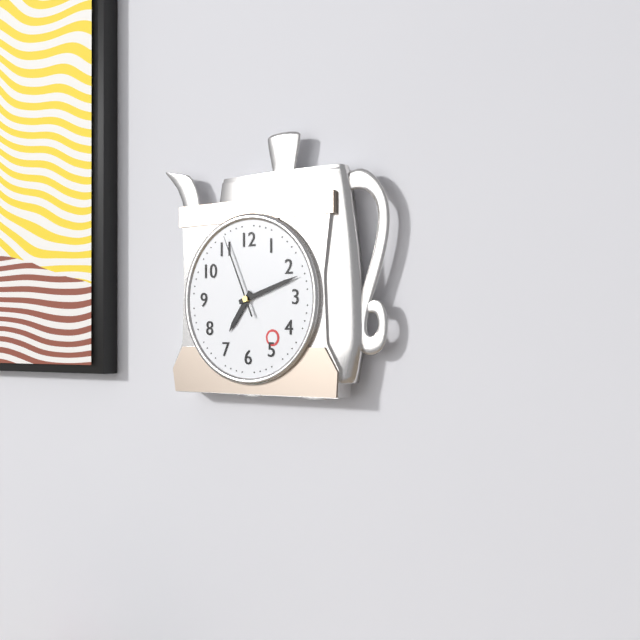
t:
7:12:56
